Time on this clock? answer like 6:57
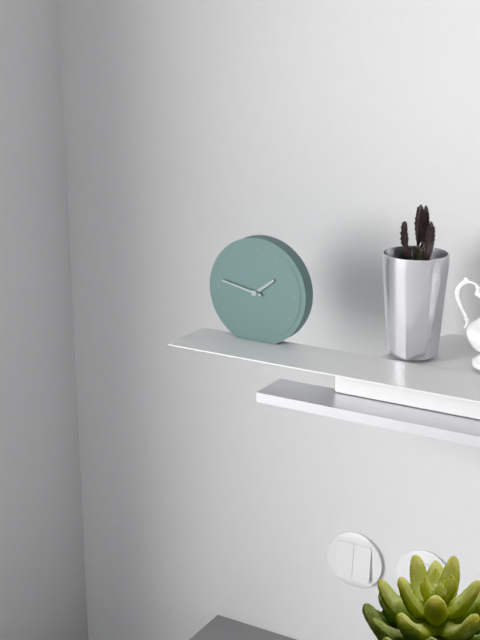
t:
1:47
